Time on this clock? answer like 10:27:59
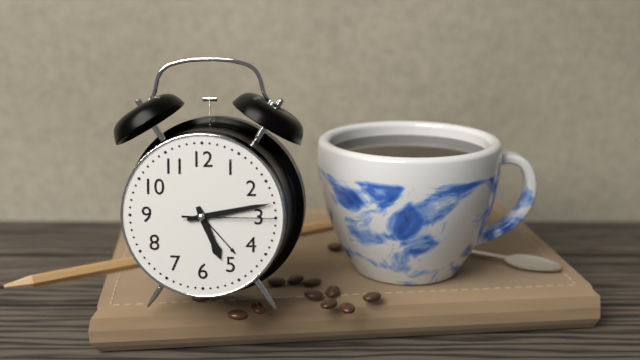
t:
5:13:15
